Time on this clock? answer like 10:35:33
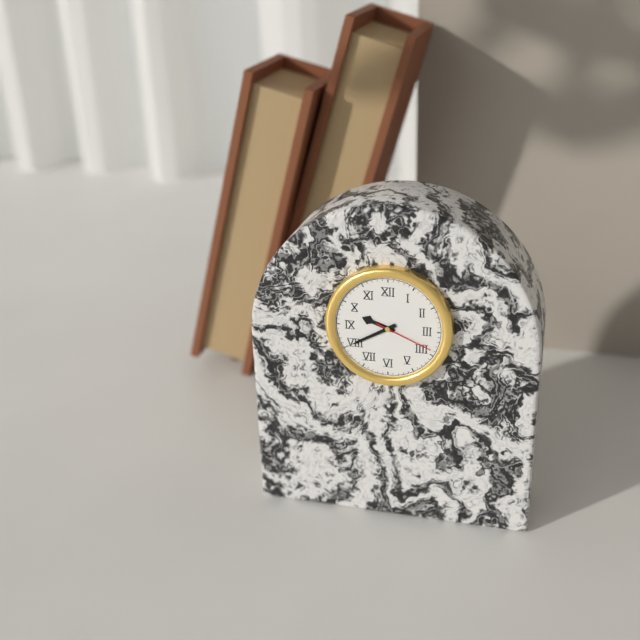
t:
9:40:19
